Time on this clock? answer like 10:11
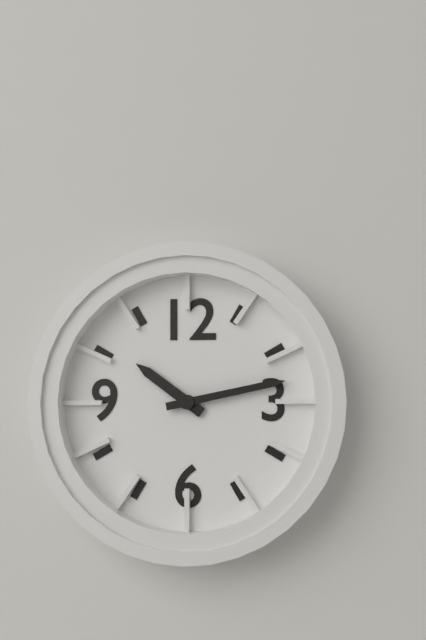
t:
10:13
